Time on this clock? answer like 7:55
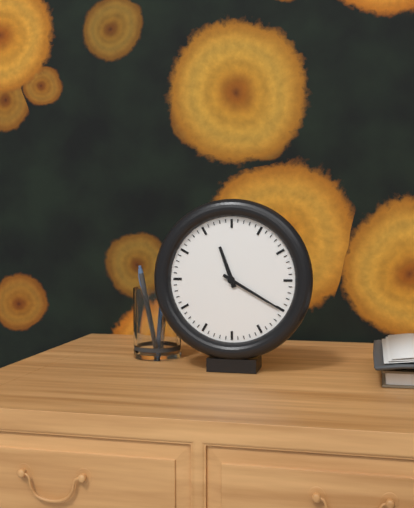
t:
11:20
